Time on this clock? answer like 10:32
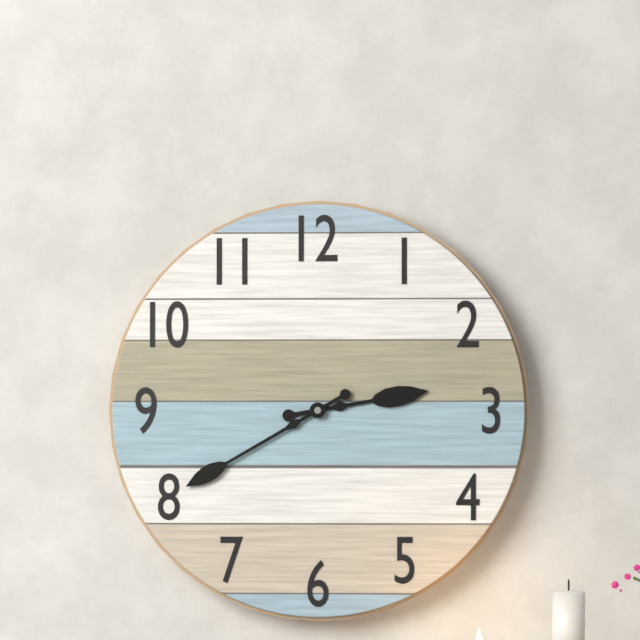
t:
2:40
